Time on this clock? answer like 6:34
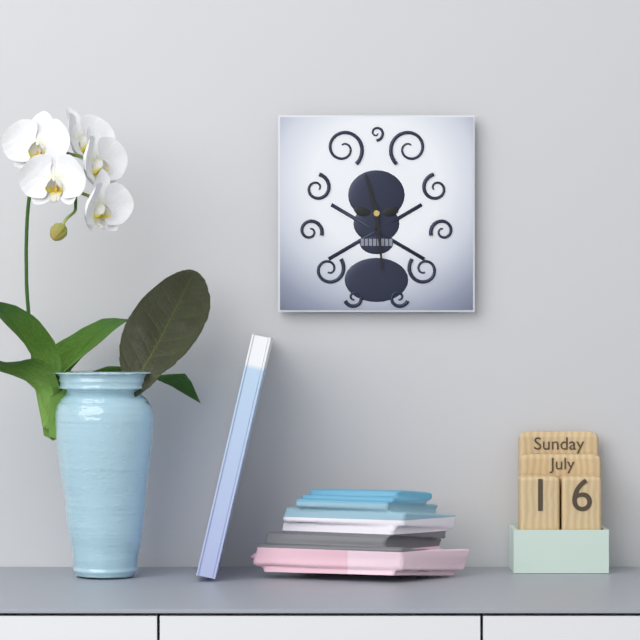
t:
11:29
